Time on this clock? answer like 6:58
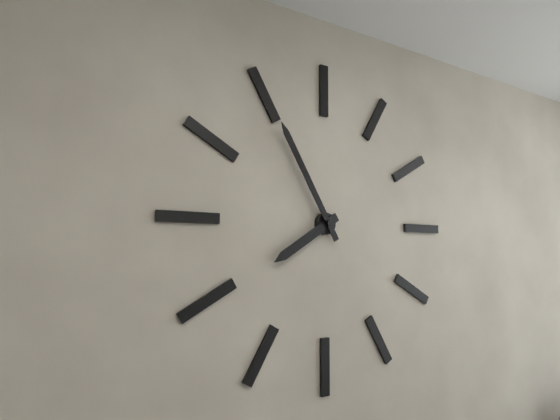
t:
7:55
